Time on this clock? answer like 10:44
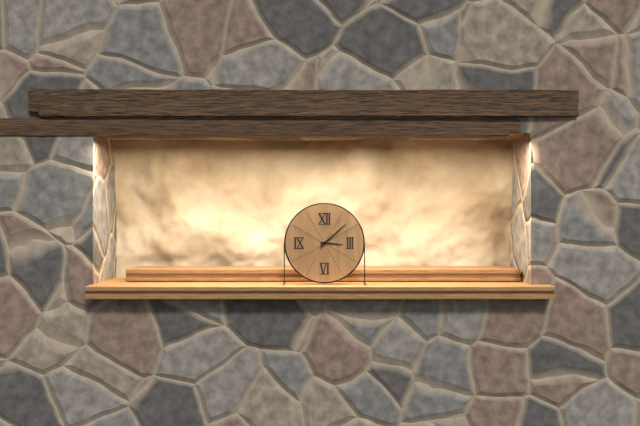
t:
3:08
